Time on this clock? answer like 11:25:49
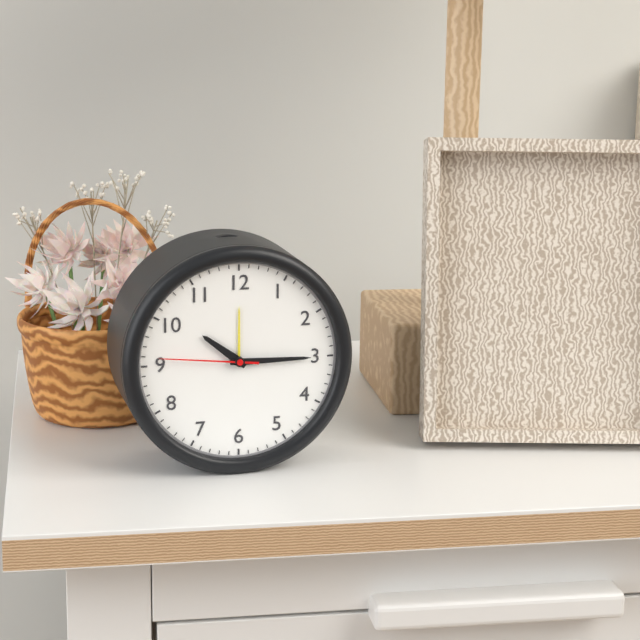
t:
10:15:46
